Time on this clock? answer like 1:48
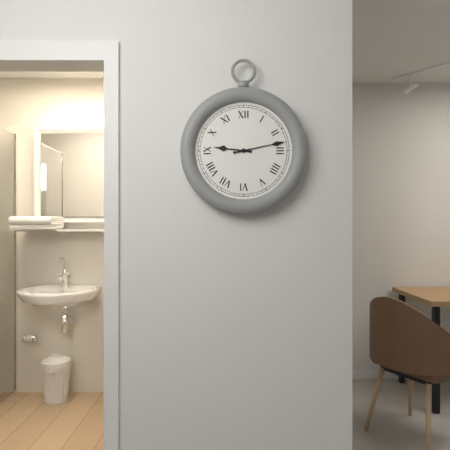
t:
9:13
